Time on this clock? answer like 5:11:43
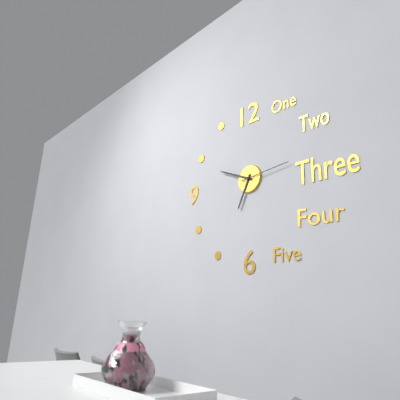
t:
6:49:14
